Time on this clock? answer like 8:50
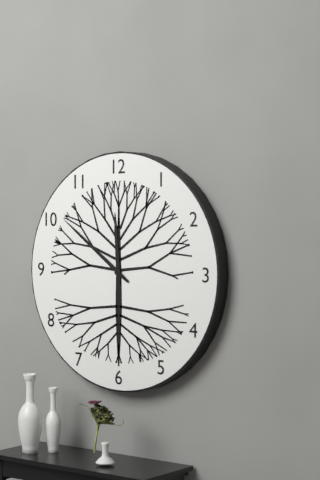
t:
11:51
